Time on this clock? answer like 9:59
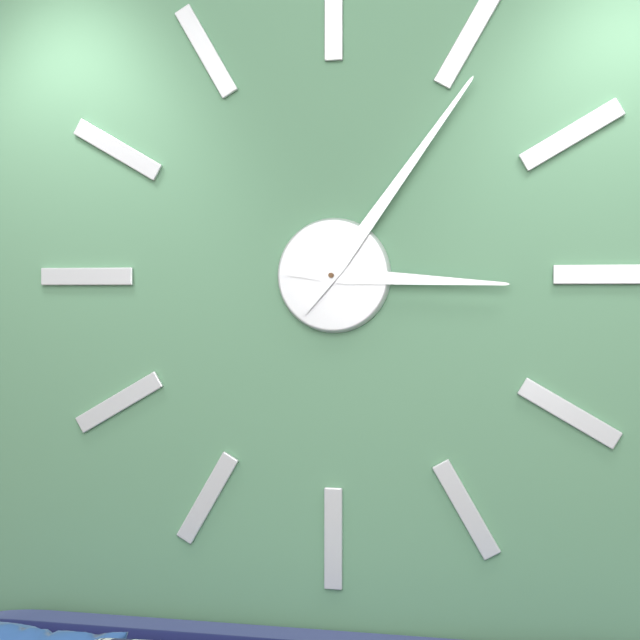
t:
3:06
